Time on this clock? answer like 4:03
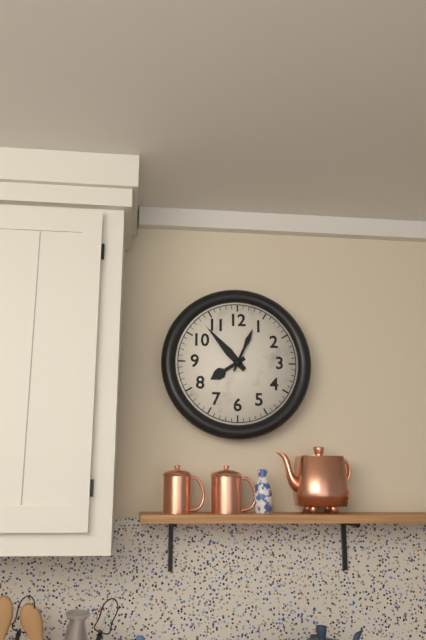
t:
7:53
